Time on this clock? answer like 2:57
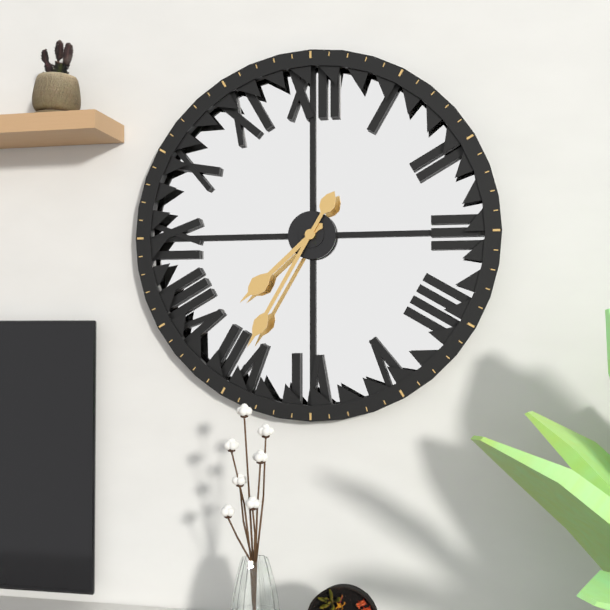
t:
7:35
